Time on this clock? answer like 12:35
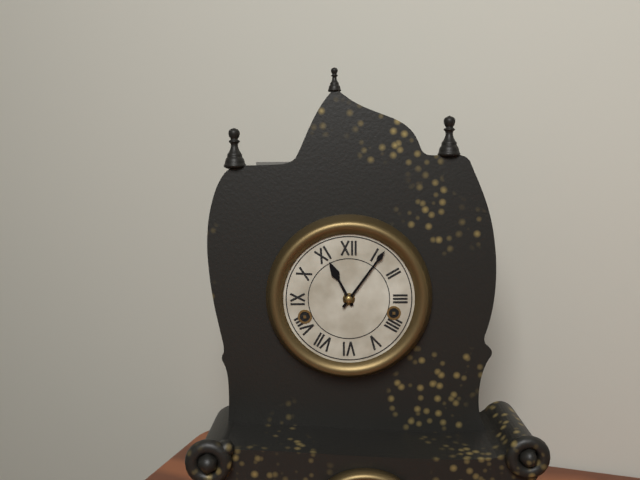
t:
11:06
